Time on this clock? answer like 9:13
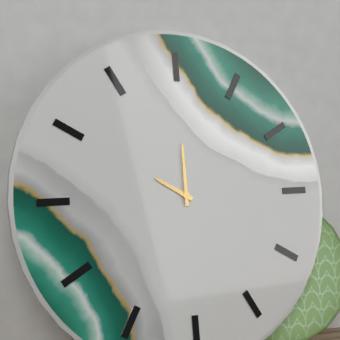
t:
10:00
